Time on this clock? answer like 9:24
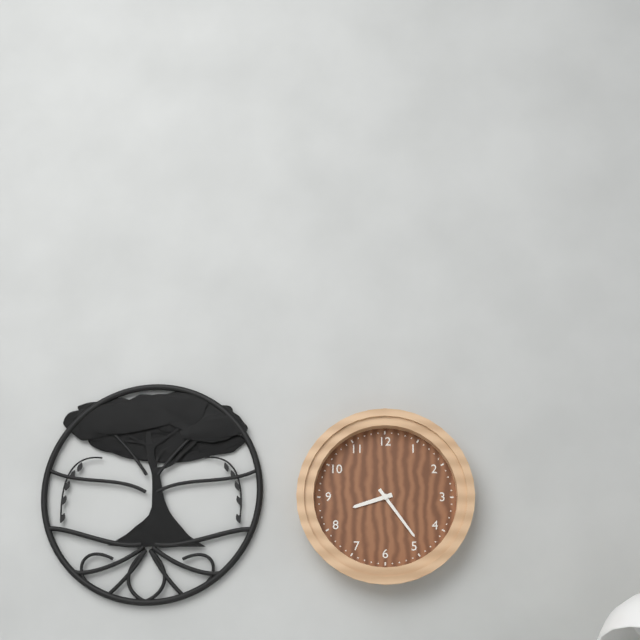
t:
8:24
